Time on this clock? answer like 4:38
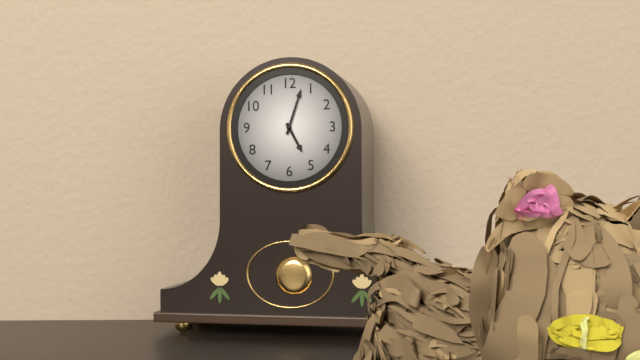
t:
5:03
